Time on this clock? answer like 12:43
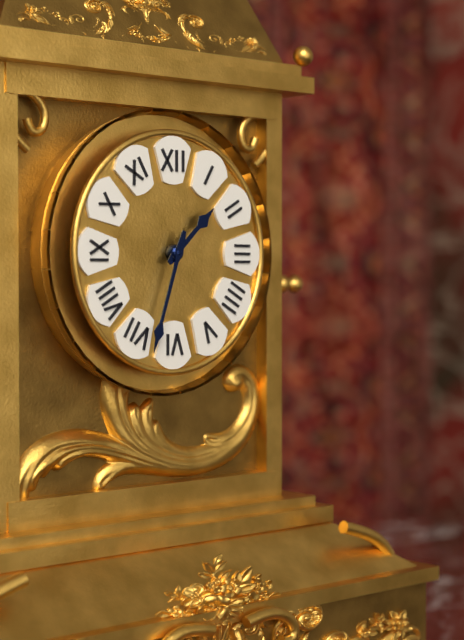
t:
1:33
